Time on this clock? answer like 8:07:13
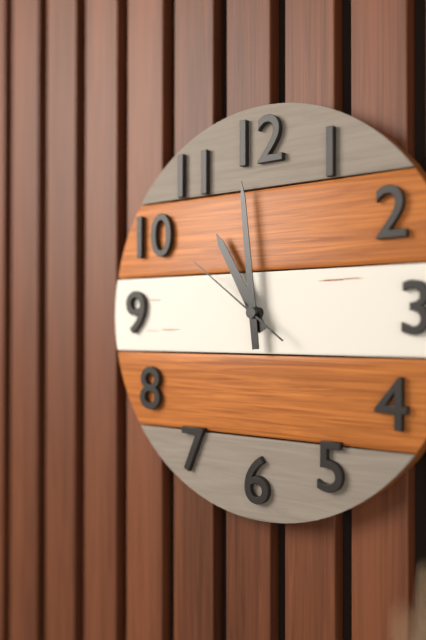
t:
10:59:51
